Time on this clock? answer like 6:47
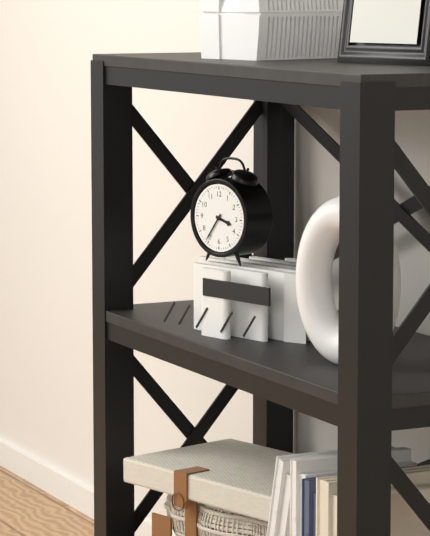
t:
3:36
